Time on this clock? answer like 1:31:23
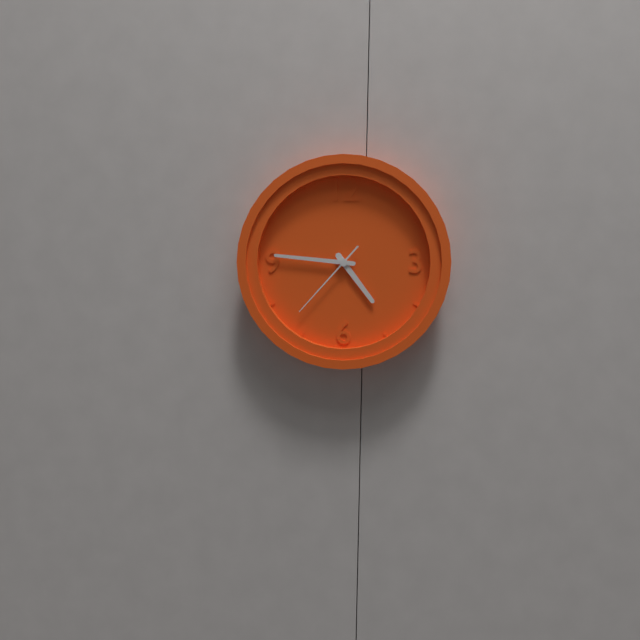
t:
4:46:37
